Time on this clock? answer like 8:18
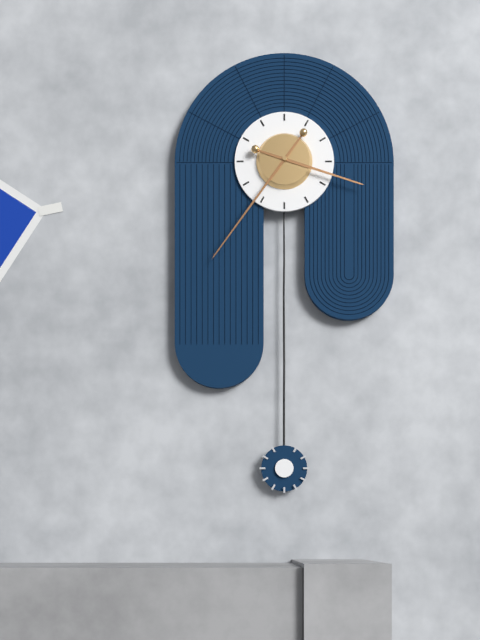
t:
3:36
